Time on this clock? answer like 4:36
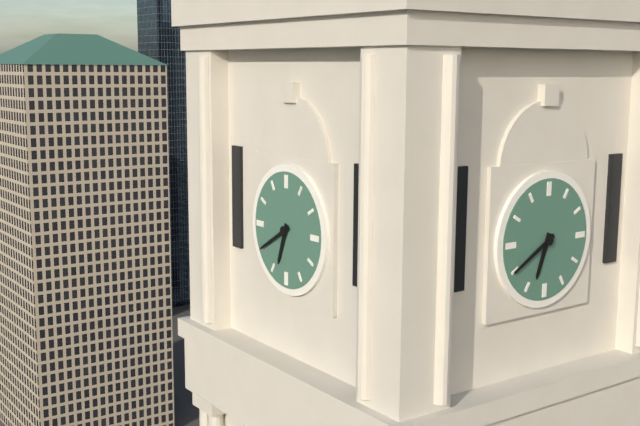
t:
6:40
